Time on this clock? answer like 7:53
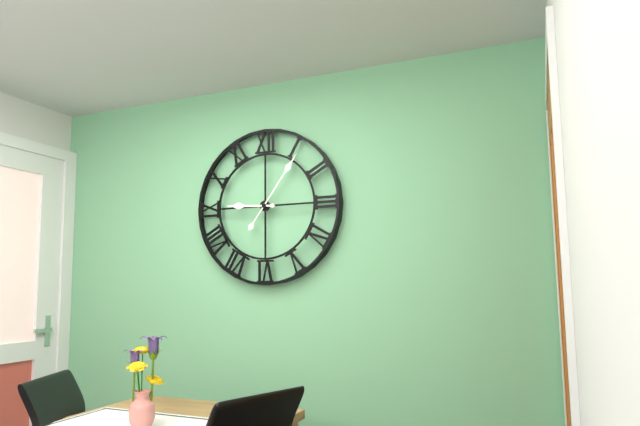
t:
9:06
